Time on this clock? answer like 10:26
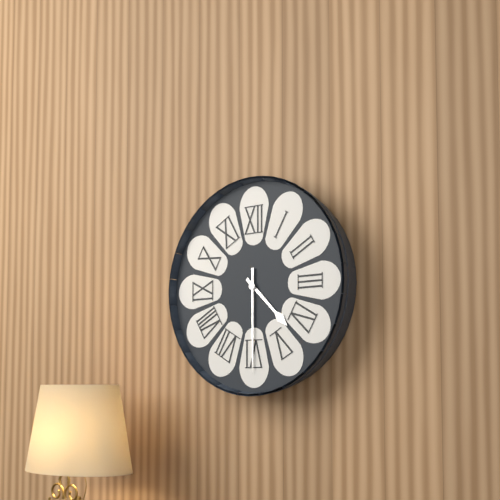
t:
4:30
